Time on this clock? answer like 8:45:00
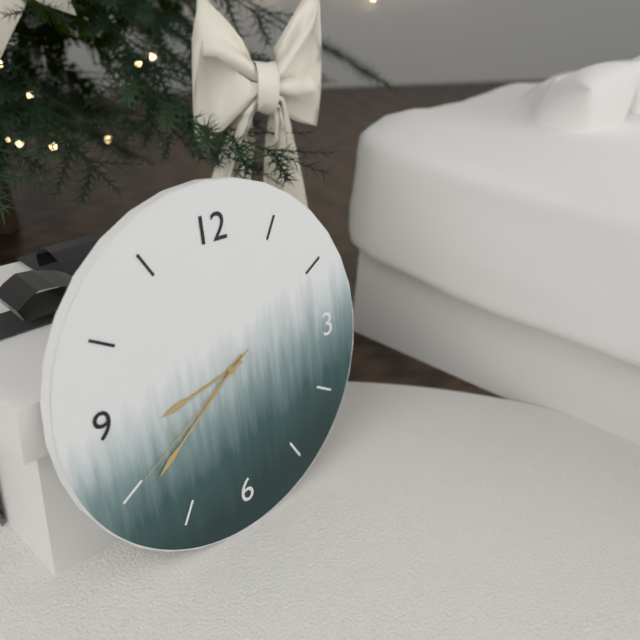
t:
8:39:40
